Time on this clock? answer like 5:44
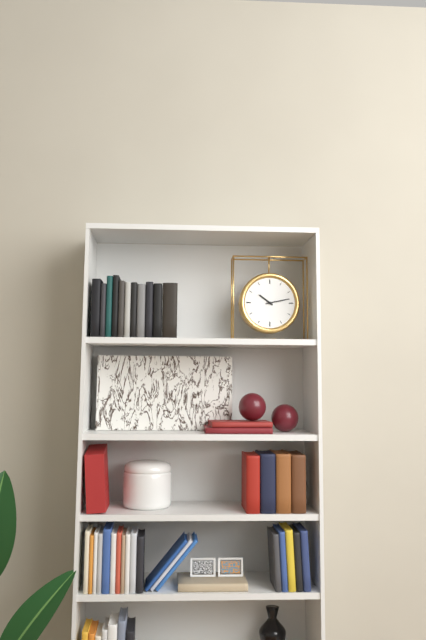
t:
10:13
